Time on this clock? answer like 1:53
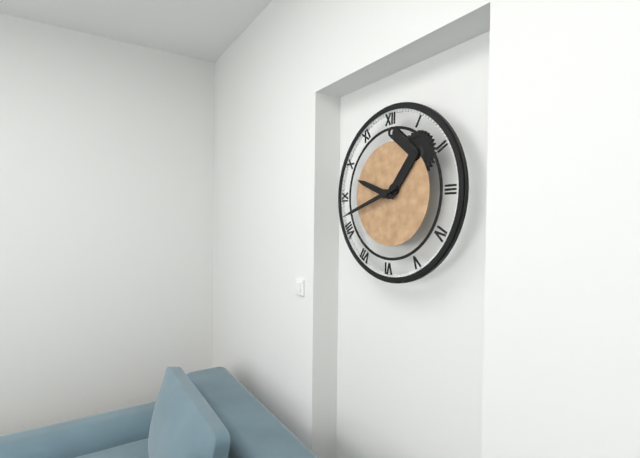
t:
9:42
